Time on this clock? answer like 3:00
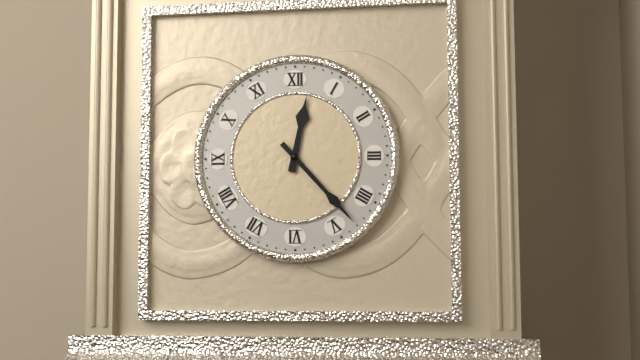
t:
12:23
